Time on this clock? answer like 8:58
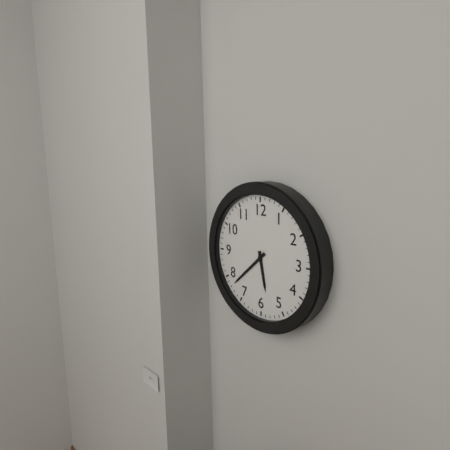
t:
5:38
